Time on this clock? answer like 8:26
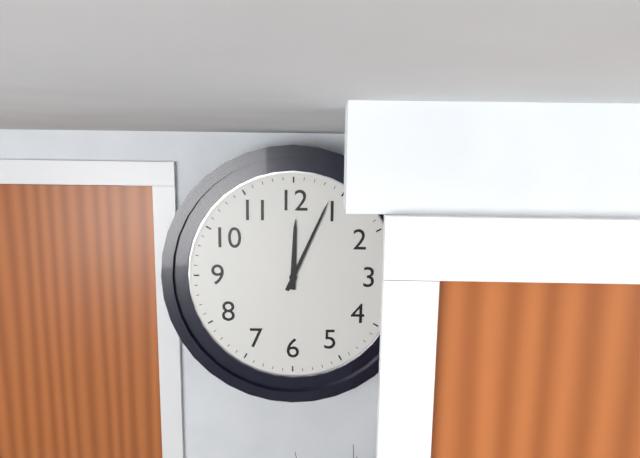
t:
12:04
